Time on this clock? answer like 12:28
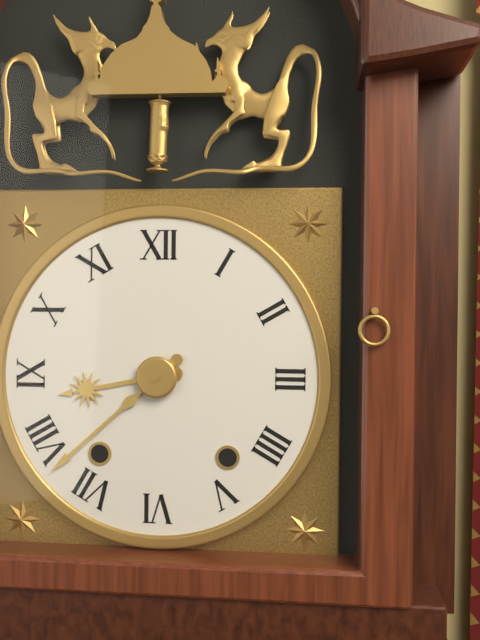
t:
8:38
